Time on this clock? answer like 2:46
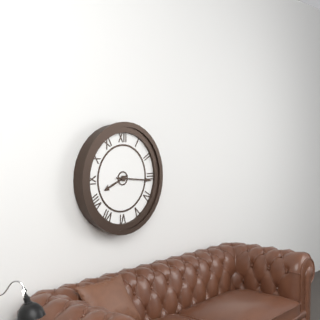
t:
8:16
